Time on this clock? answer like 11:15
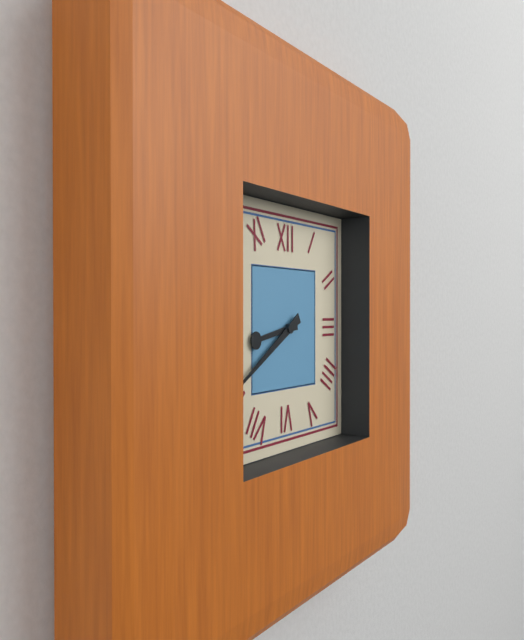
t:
8:40
